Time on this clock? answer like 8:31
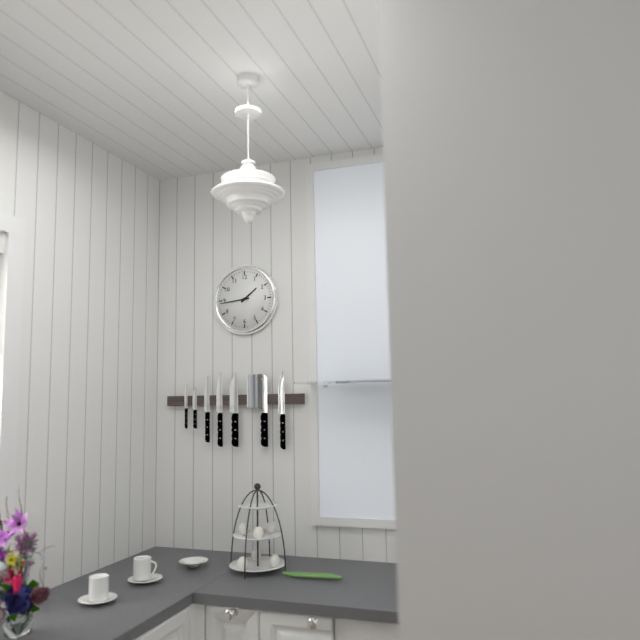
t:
1:44
